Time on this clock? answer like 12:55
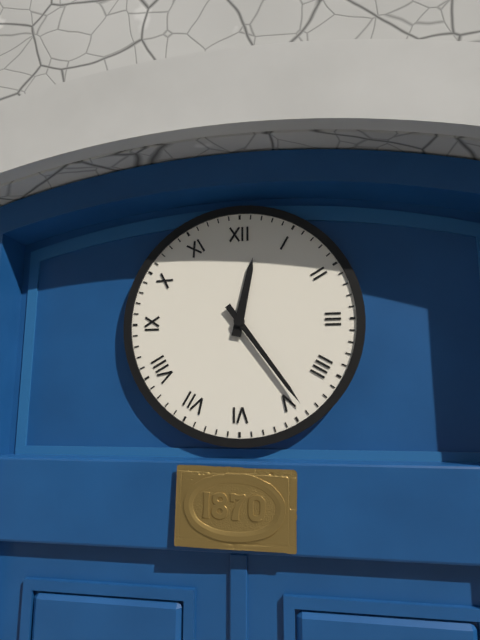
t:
12:24
